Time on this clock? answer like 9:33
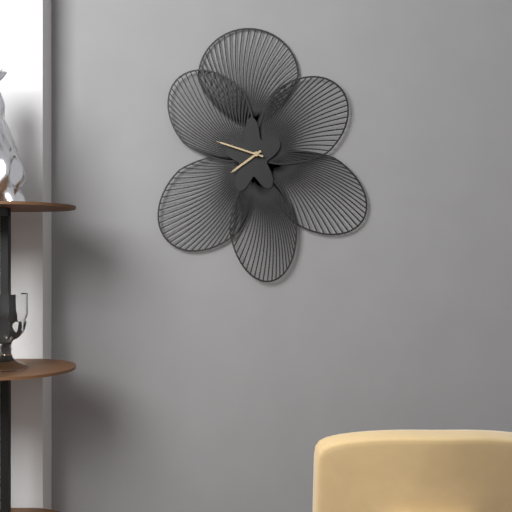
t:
7:48
